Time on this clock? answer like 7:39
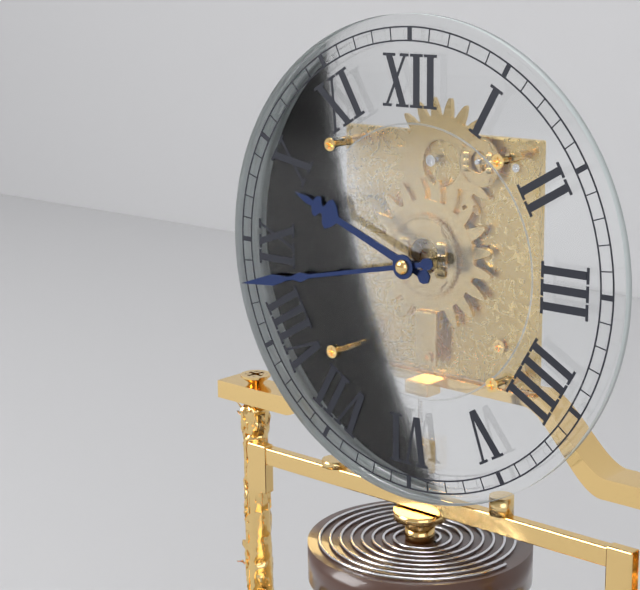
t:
9:43
